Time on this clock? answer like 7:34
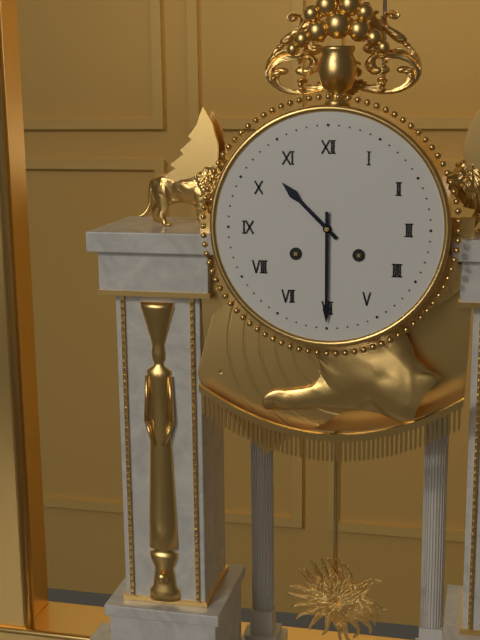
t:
10:30
